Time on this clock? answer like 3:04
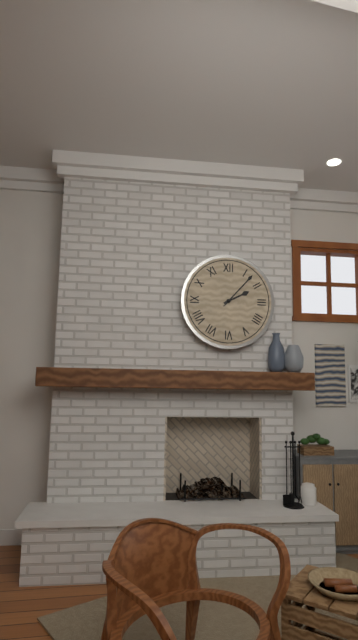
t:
2:07
